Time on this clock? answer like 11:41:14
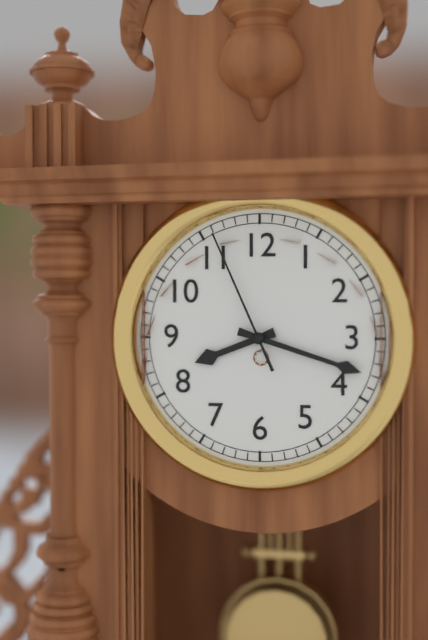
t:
8:18:56
